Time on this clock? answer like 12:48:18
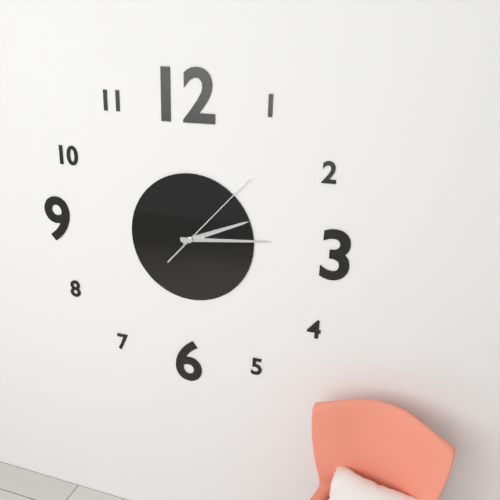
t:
2:14:07
